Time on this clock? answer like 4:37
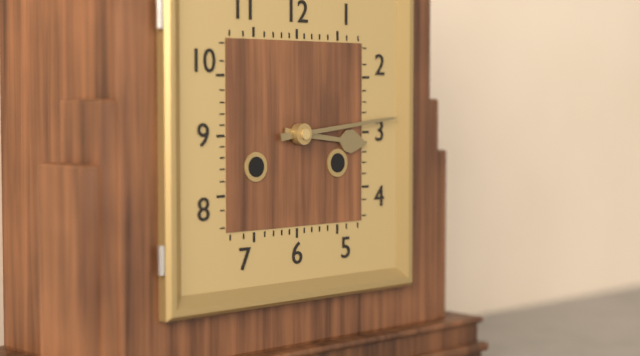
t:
3:14
